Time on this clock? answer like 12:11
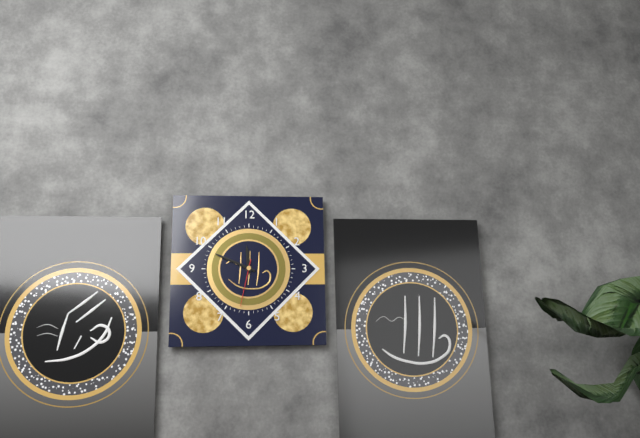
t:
11:49
